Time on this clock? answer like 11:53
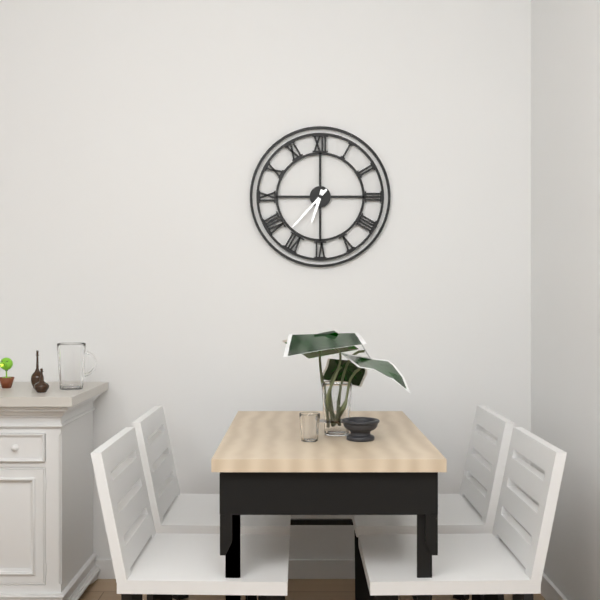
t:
6:37
